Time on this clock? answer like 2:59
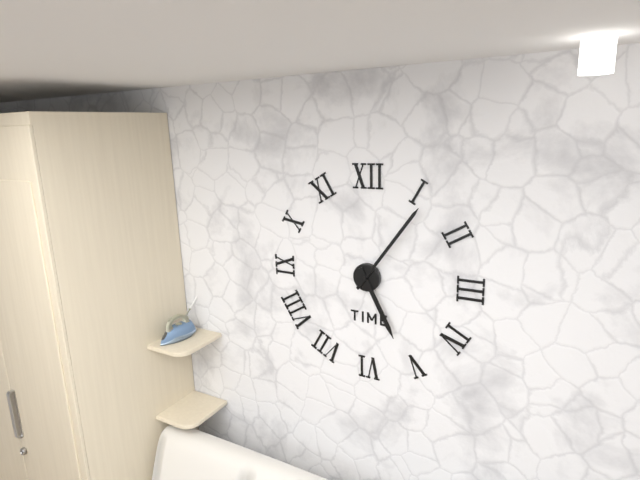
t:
5:06
